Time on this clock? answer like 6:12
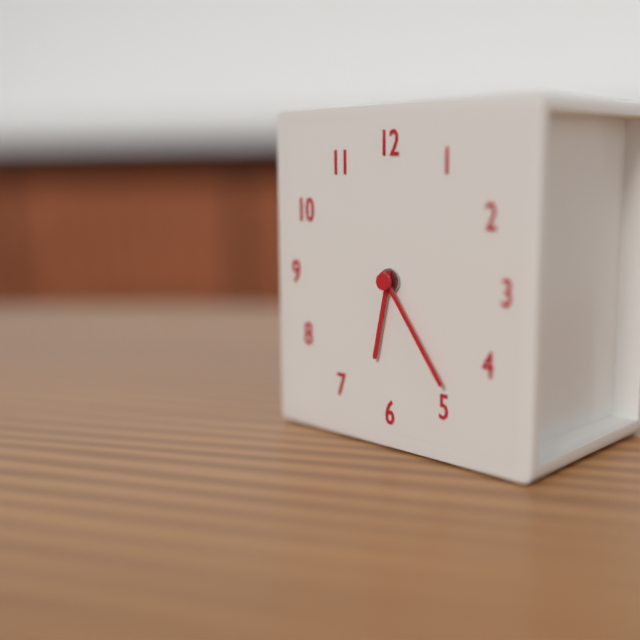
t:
6:24
